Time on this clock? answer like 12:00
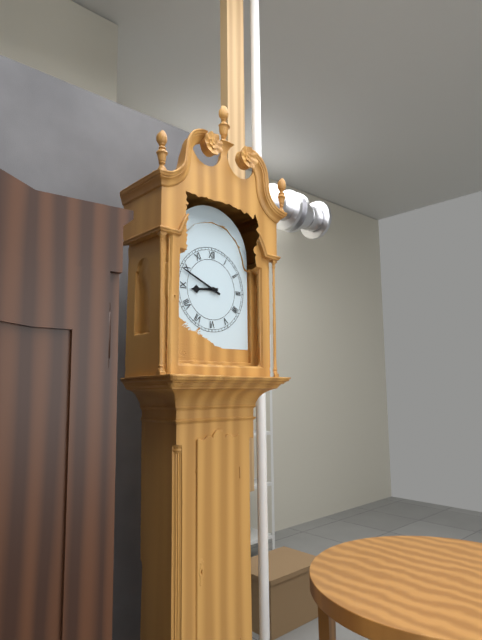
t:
8:49
